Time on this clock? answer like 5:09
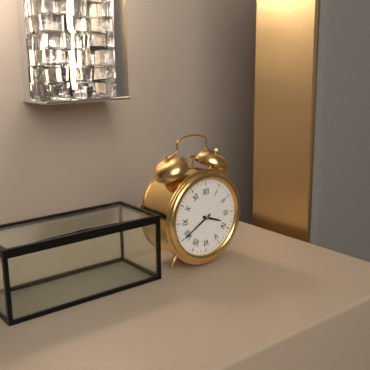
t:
3:40
